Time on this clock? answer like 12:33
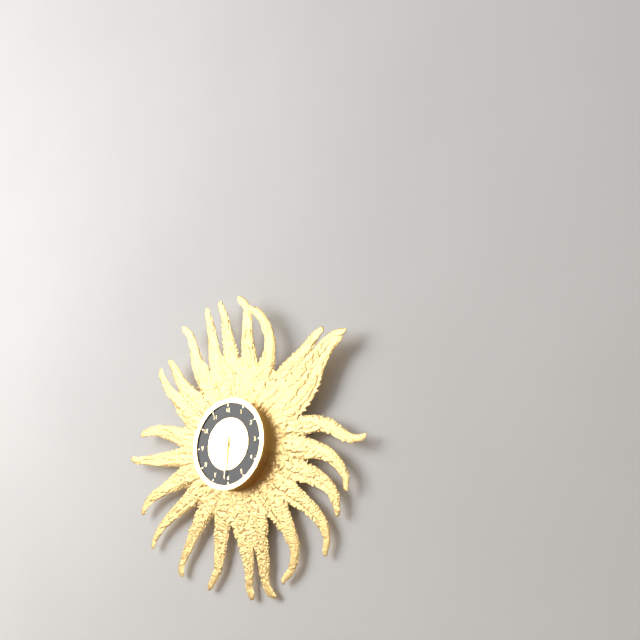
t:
3:31
